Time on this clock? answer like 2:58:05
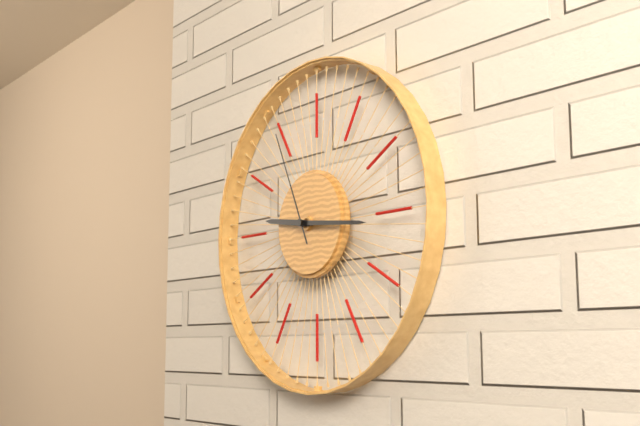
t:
9:16:56
